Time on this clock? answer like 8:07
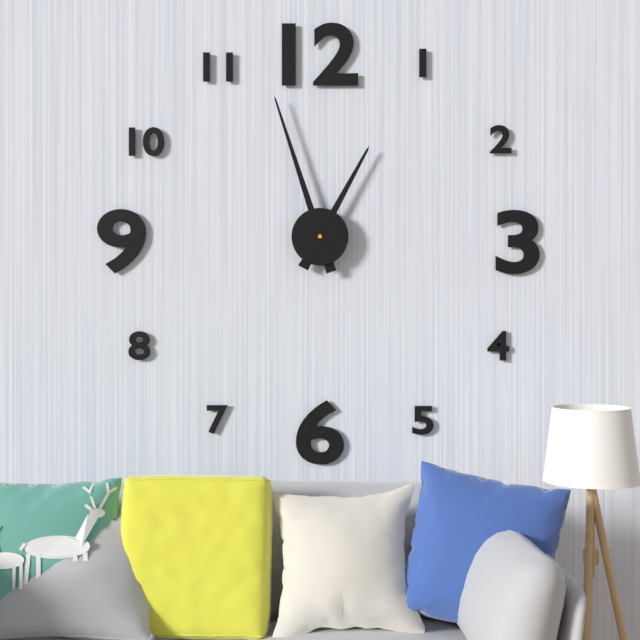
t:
12:57
